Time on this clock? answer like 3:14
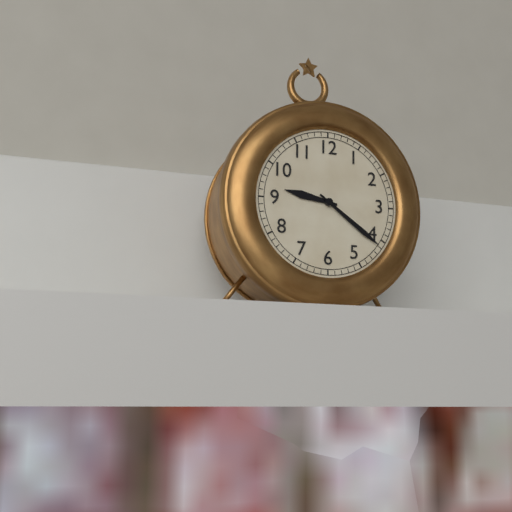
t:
9:21
